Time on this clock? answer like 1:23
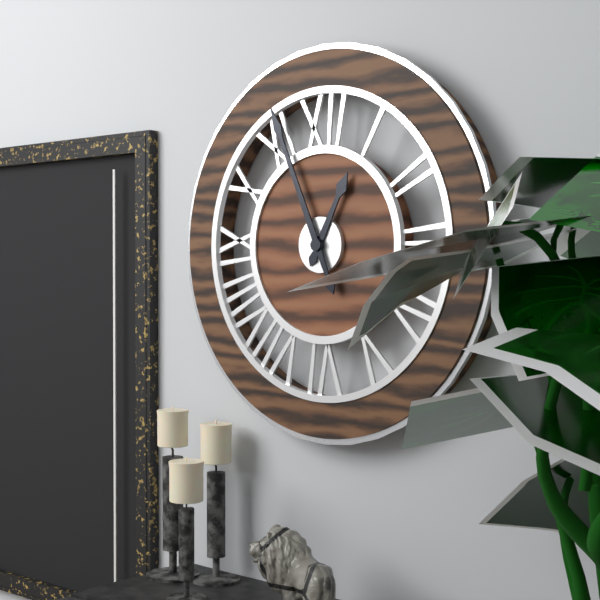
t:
12:56
